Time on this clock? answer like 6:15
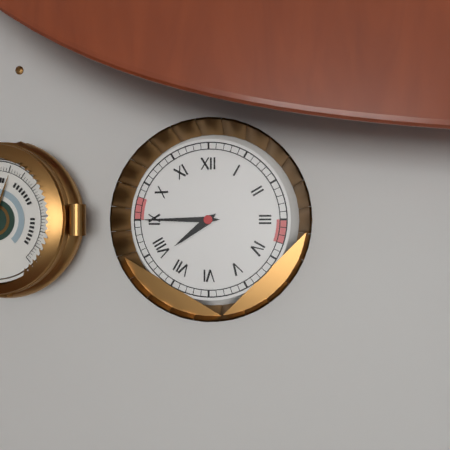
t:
7:45
